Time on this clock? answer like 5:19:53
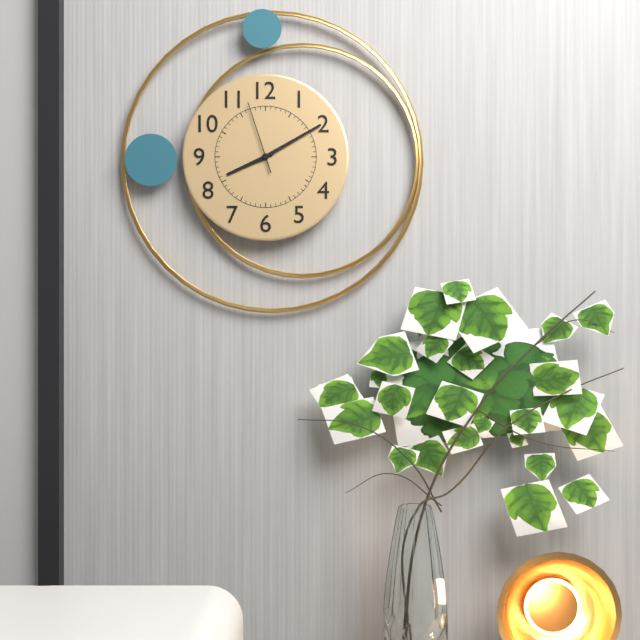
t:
8:10:57
